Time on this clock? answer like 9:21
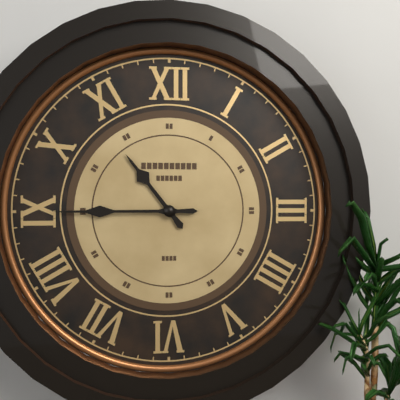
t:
10:45
